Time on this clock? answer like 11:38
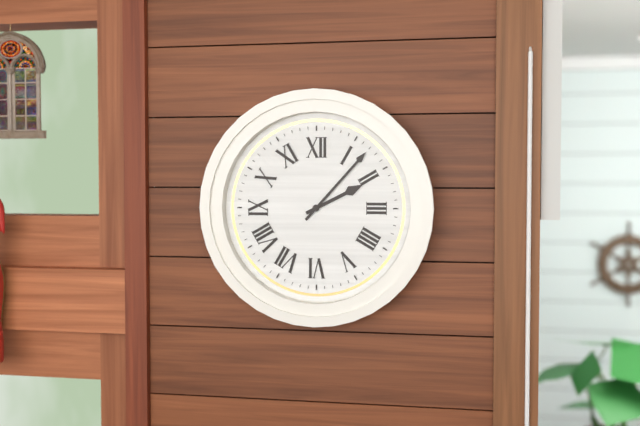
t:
2:07
